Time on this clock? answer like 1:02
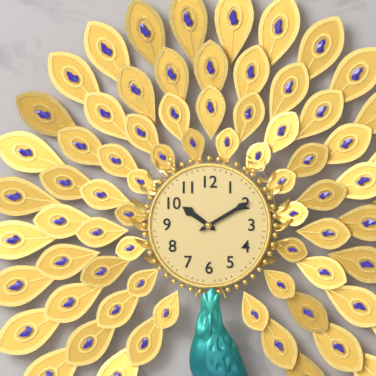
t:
10:10
